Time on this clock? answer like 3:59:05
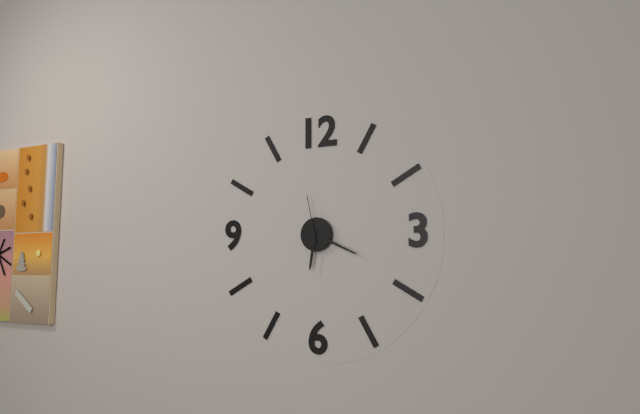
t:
6:19:58
